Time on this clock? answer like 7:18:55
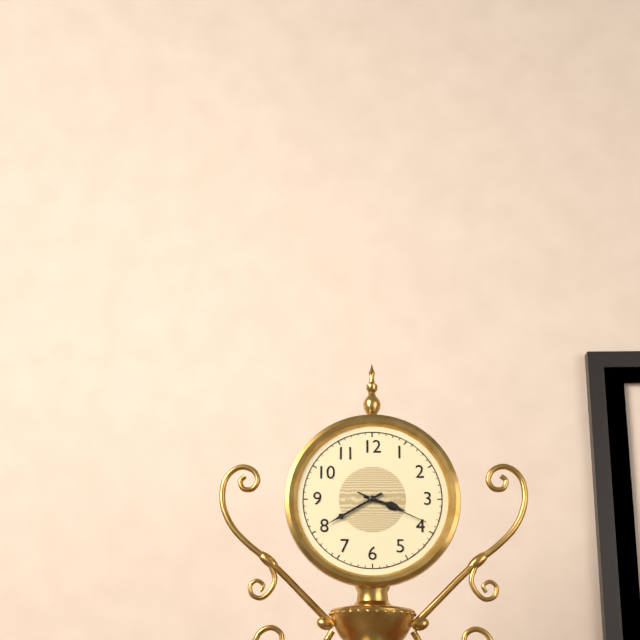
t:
3:40:19
